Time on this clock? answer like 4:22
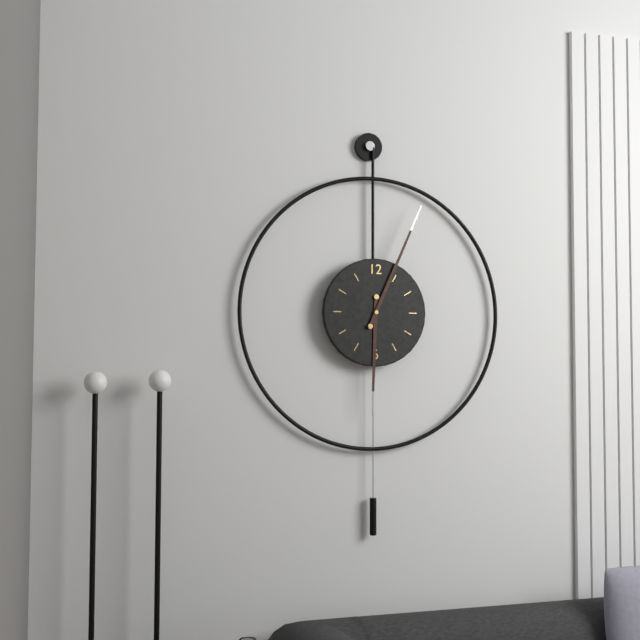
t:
6:04
